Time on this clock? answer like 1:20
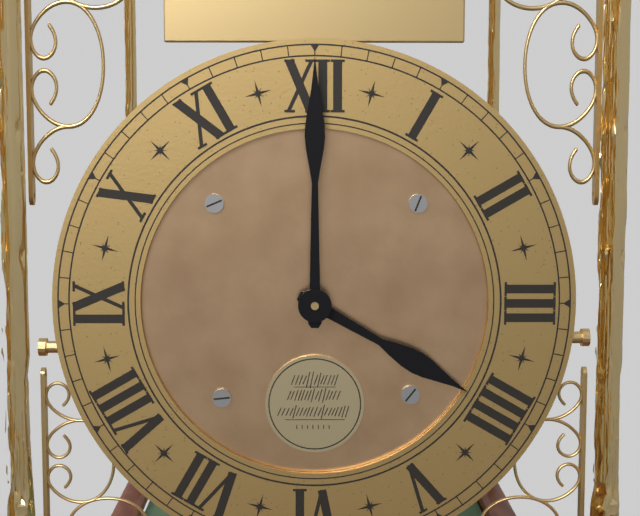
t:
4:00
